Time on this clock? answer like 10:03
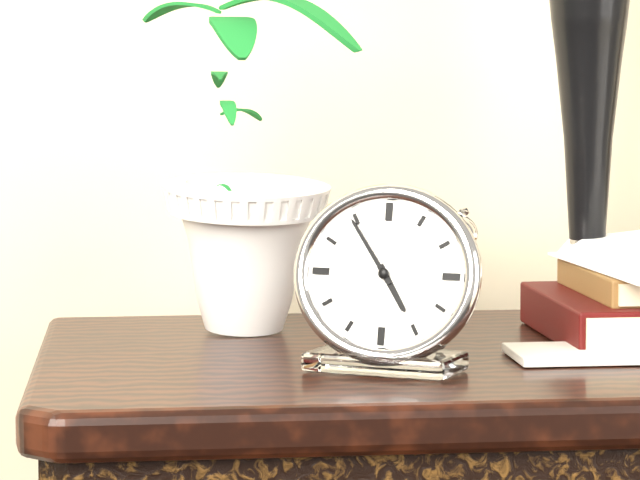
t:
4:54
